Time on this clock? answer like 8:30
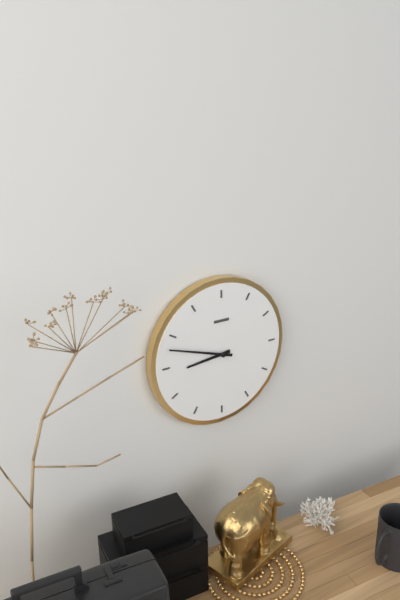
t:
8:48
